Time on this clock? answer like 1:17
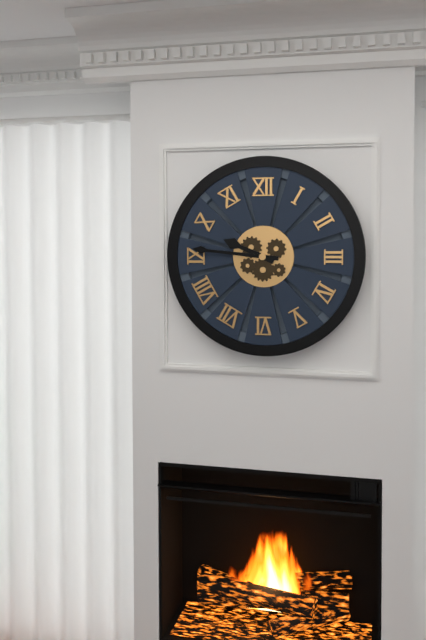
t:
9:46
